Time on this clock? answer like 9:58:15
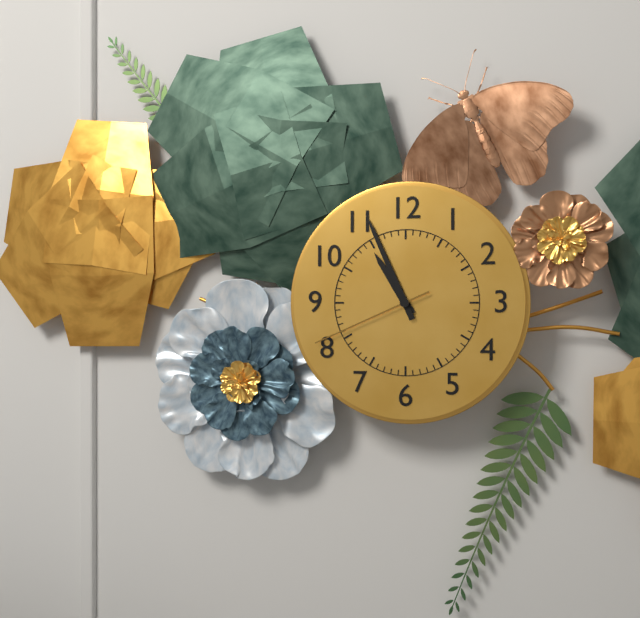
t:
10:56:41
